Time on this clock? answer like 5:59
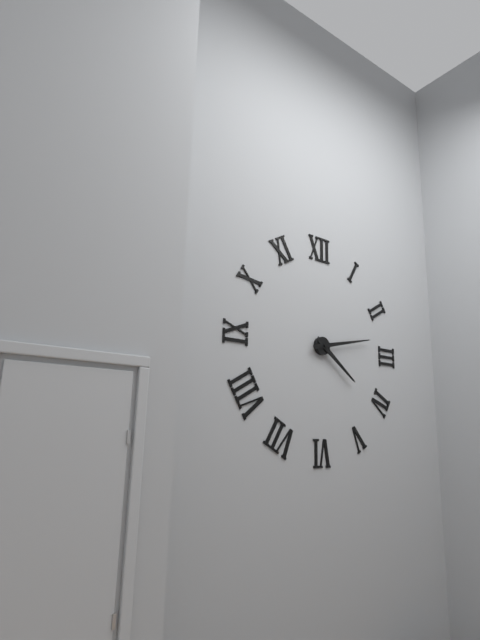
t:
4:13
